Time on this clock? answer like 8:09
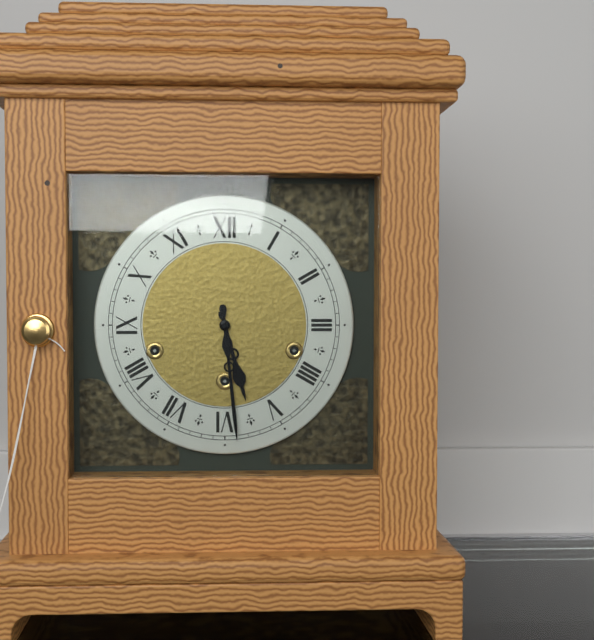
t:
5:29
